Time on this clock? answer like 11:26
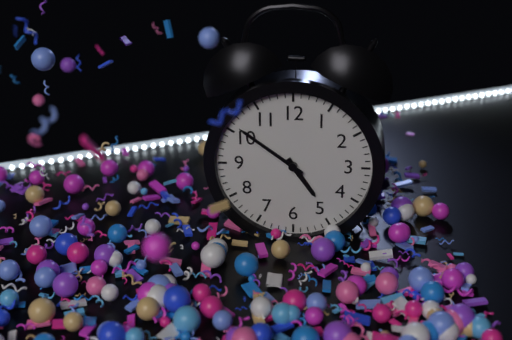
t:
4:51
